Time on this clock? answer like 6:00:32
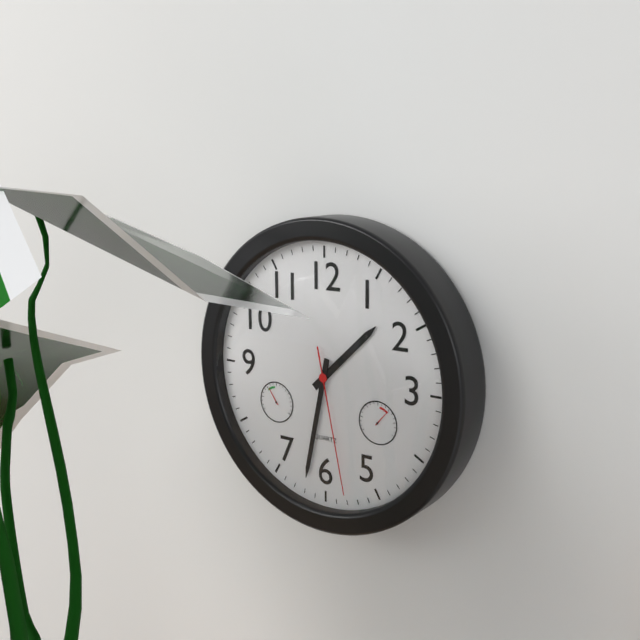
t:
1:32:28
